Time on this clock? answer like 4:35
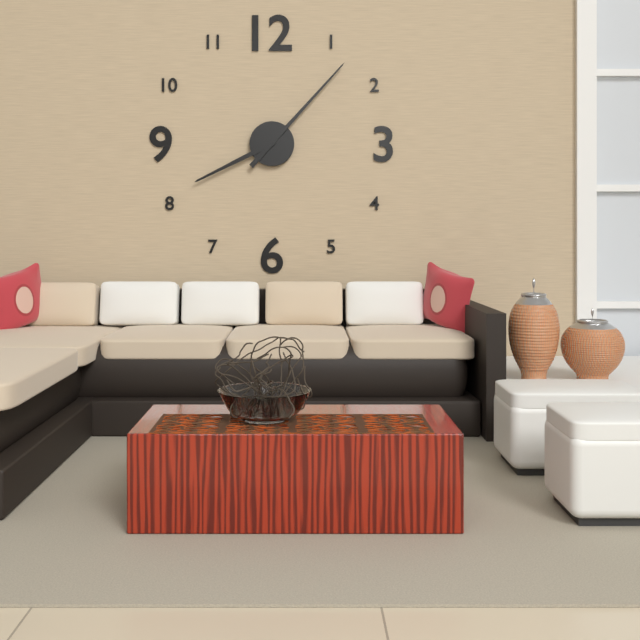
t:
8:07
